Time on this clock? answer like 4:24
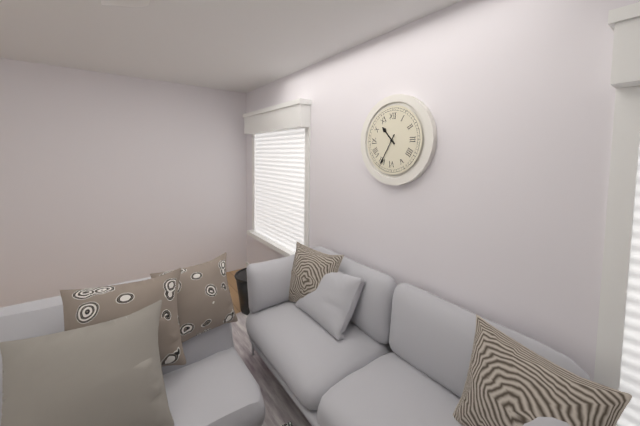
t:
10:35
